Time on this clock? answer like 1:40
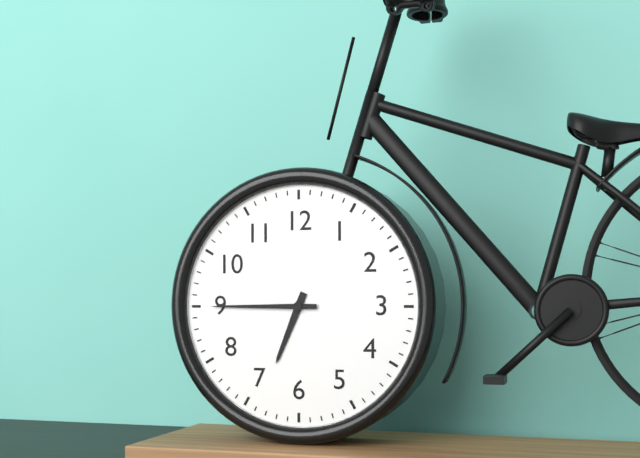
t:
6:45
